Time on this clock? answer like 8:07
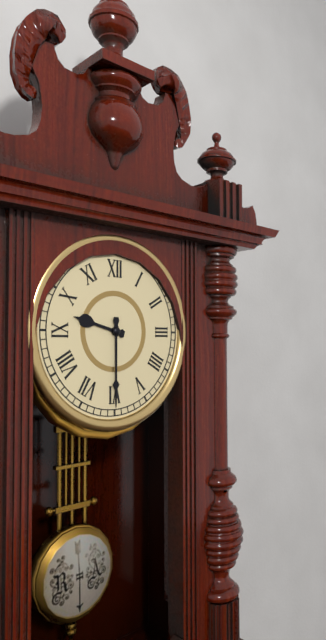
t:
9:30
